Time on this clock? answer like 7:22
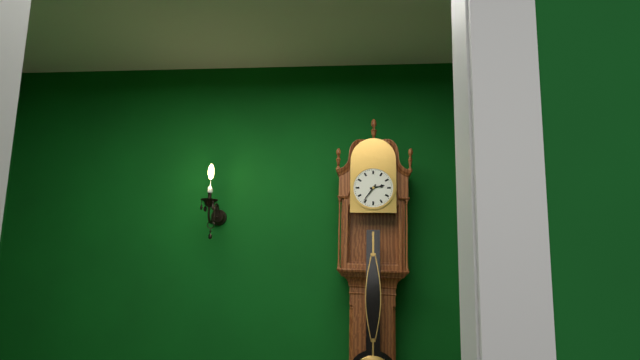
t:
2:36
